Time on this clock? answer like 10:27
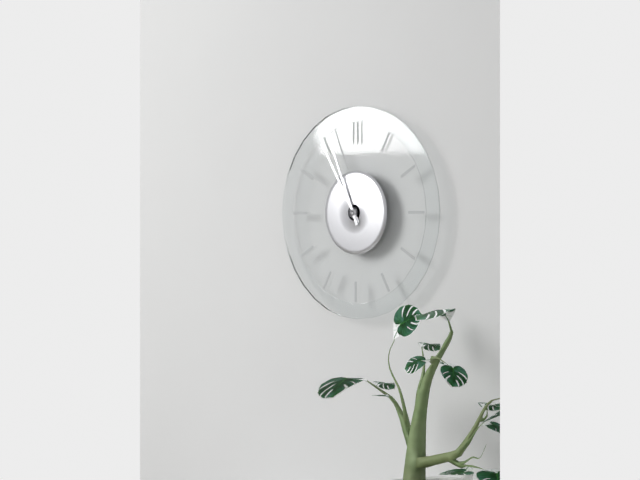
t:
10:56
